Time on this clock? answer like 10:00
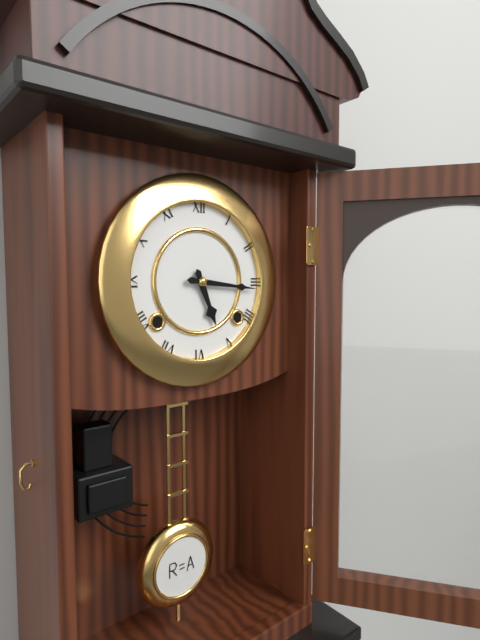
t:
5:16
